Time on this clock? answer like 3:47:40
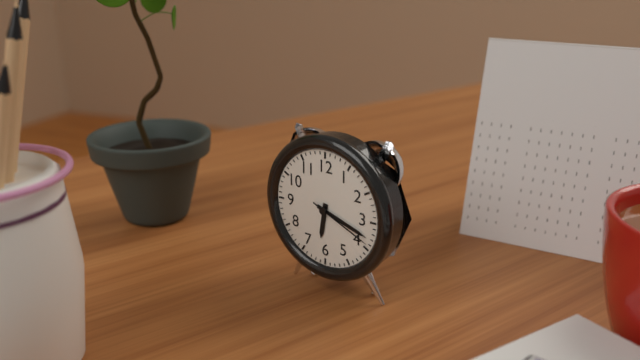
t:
6:18:19
